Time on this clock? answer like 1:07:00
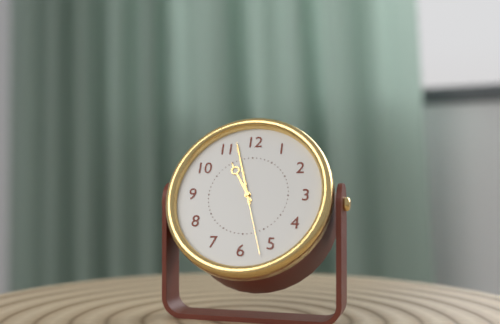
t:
10:57:27
